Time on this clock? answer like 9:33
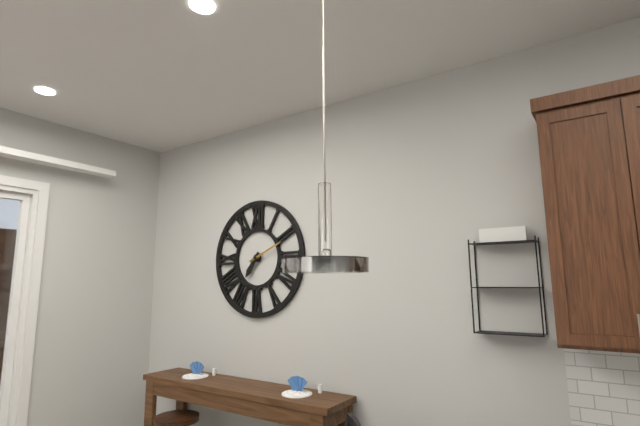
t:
7:11
